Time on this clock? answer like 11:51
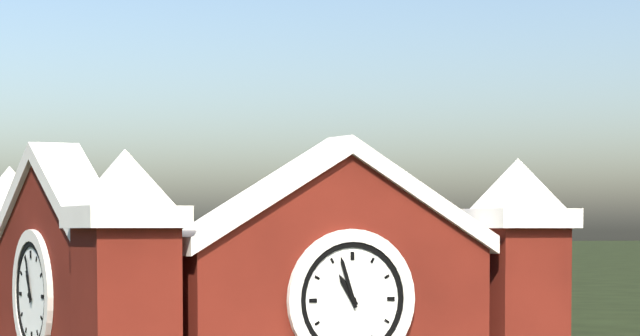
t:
10:57
